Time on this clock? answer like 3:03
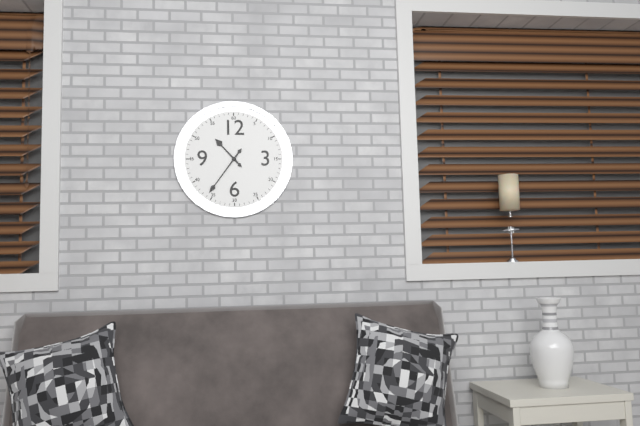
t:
10:36
